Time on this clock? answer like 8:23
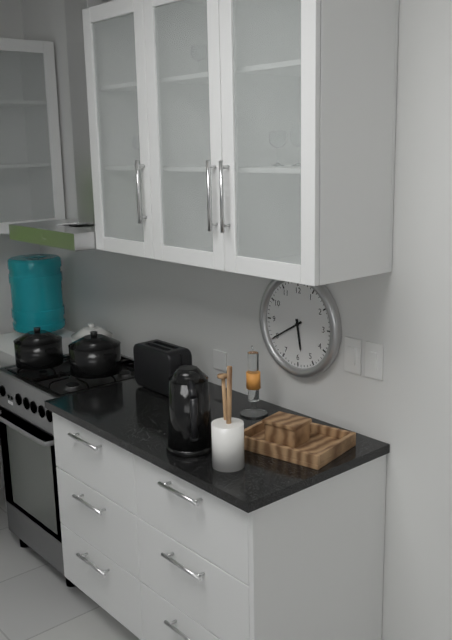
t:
5:40
